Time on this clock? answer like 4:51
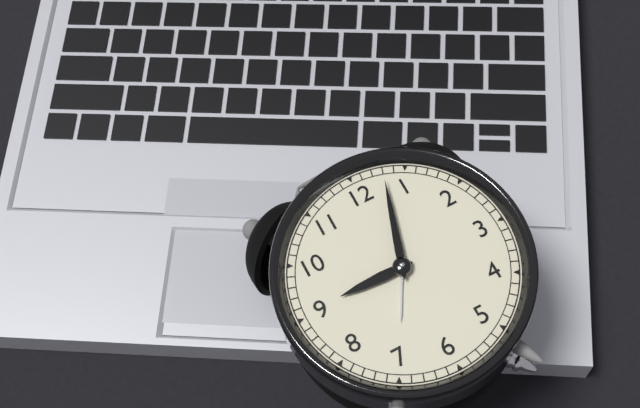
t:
9:03
